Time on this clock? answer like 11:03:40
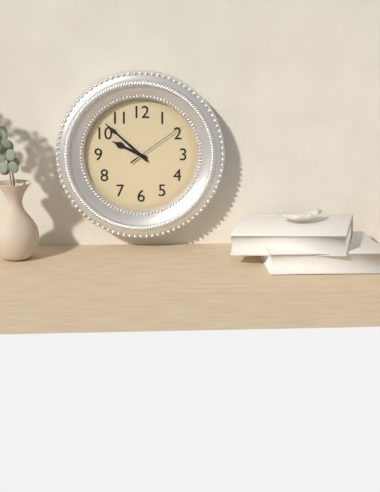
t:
9:52:09
